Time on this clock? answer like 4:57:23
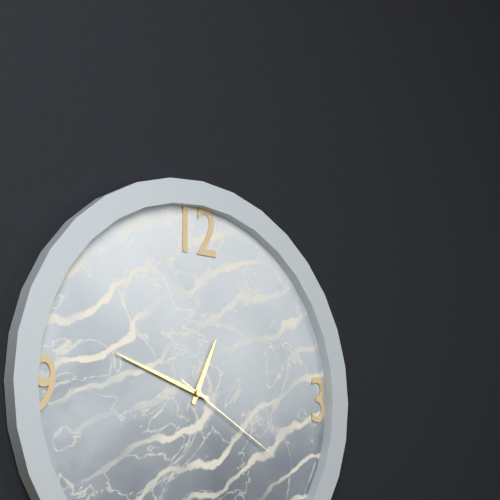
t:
12:48:20
